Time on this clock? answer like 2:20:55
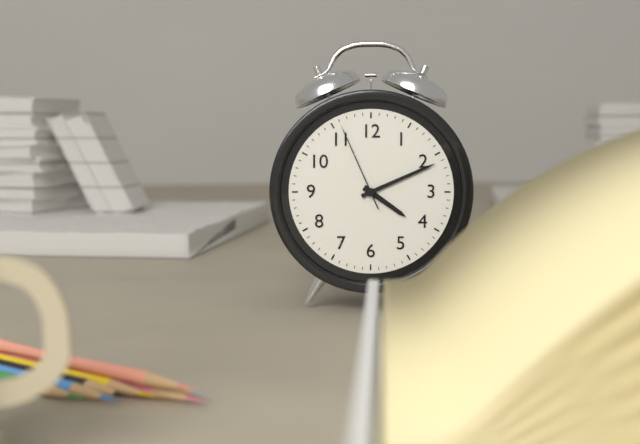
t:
4:11:56
